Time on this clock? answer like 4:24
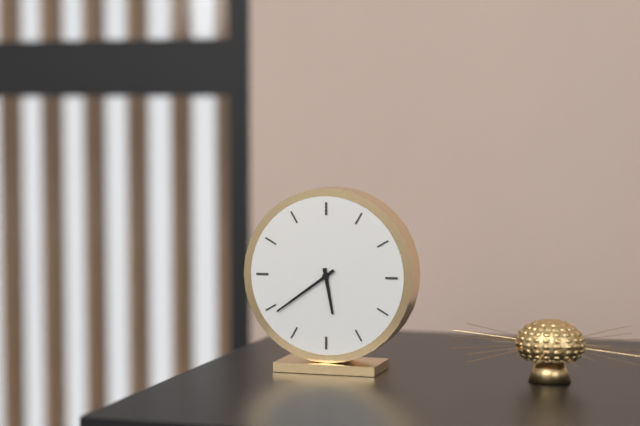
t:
5:39
